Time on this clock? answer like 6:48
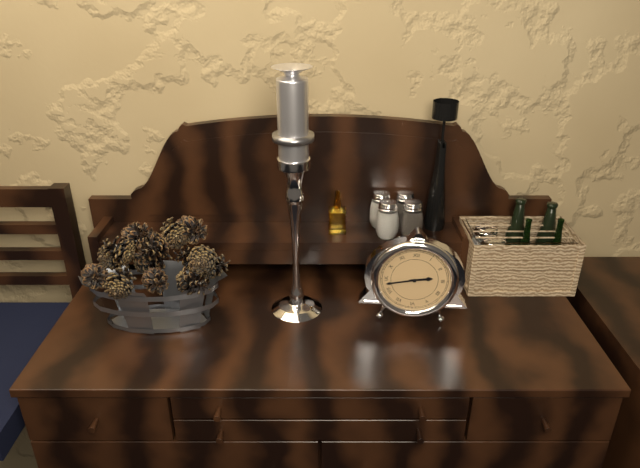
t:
2:43
